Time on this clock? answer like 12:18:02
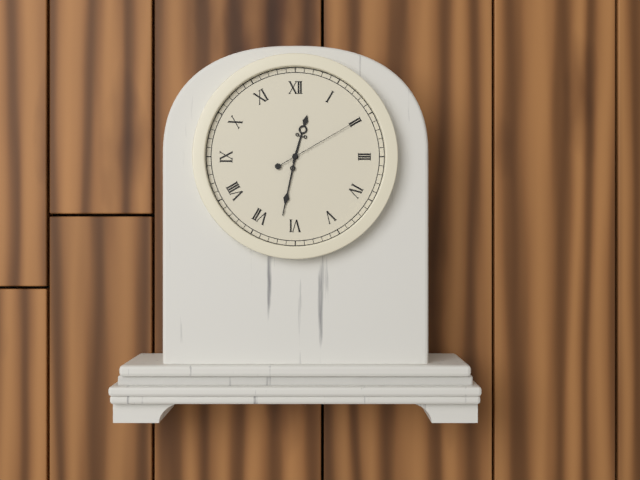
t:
12:32:10
